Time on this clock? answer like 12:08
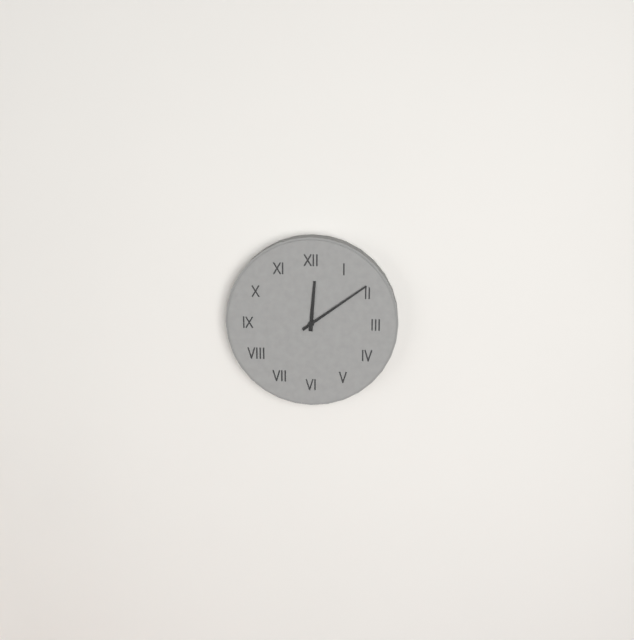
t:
12:09
